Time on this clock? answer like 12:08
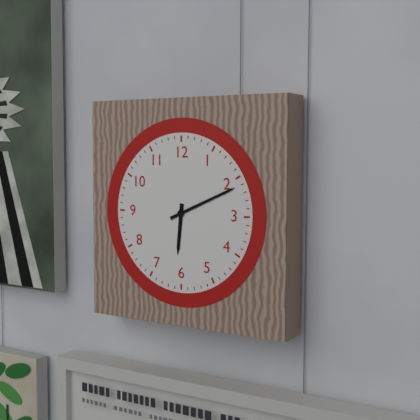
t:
6:11
